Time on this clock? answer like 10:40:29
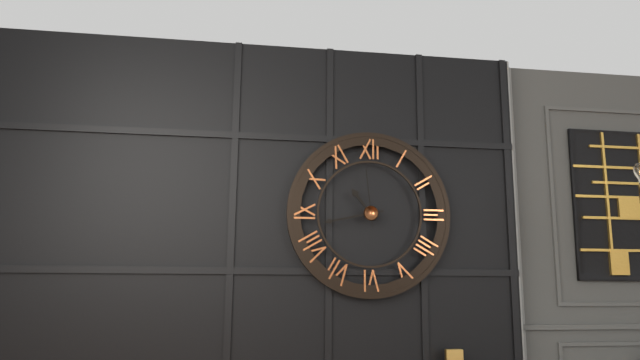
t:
10:43:59
